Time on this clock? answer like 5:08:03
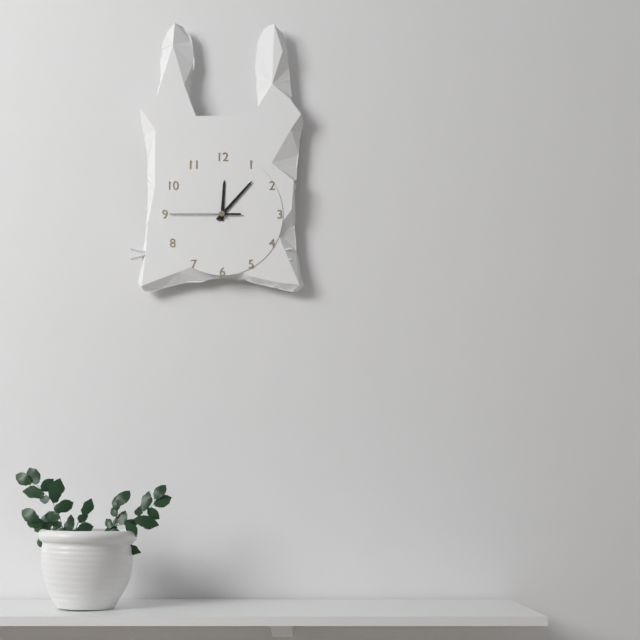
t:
12:07:45
